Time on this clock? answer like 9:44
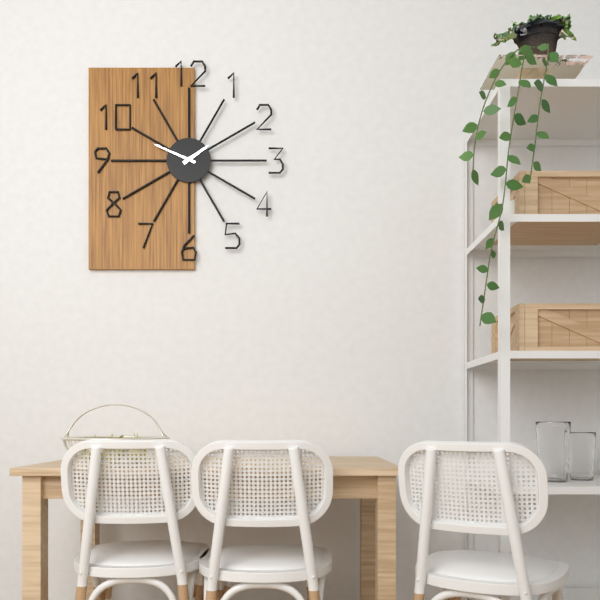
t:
1:49
